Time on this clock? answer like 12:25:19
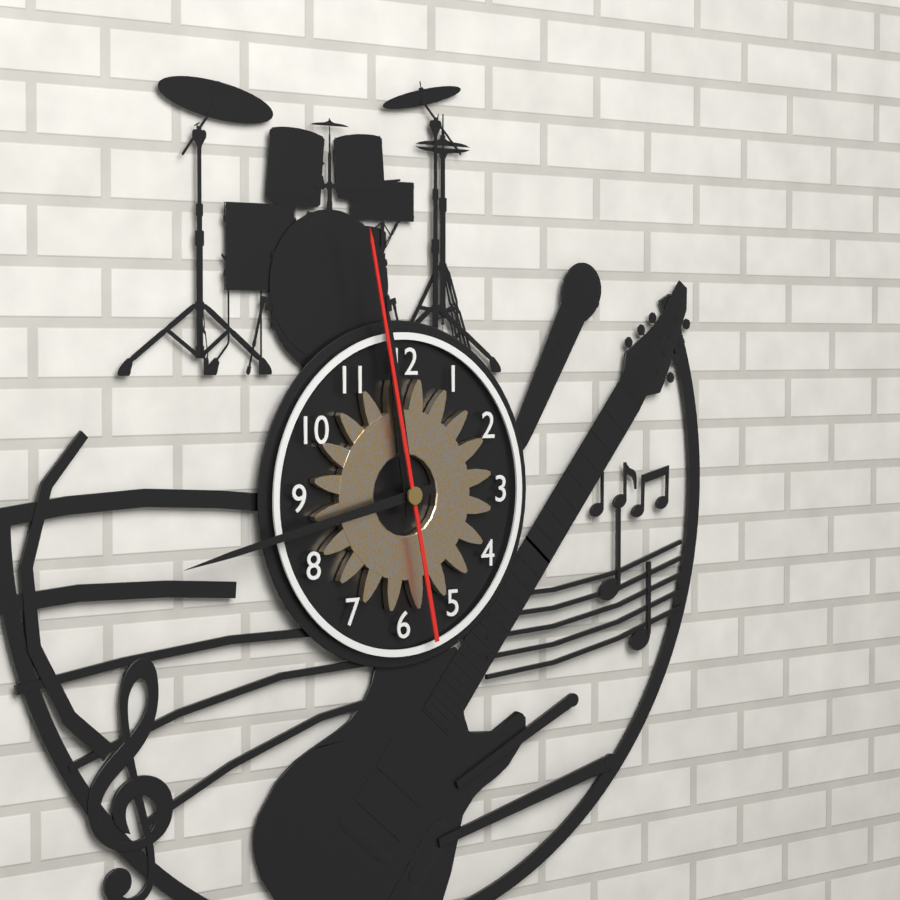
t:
11:43:58
